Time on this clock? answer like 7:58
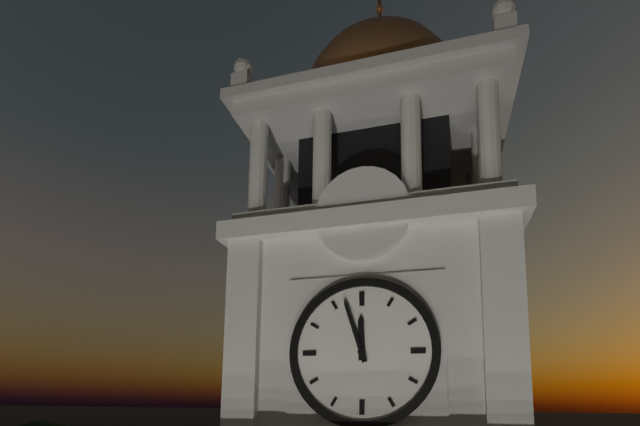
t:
11:57
